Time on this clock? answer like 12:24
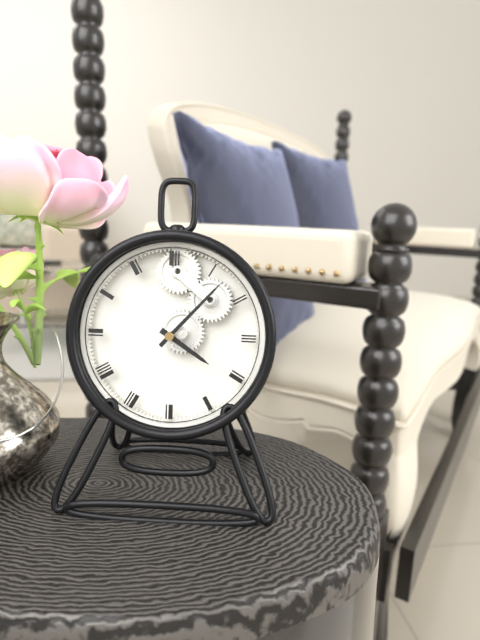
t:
4:07
